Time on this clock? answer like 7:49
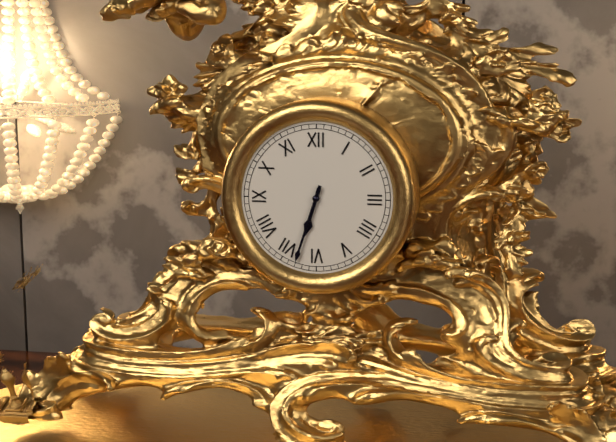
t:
6:33
